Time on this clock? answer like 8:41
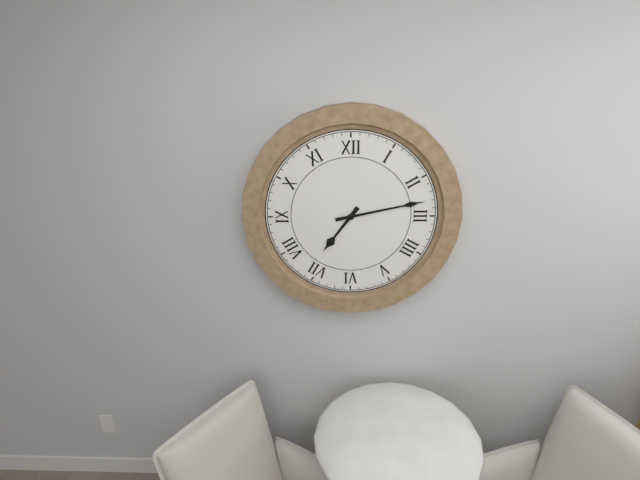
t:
7:13
